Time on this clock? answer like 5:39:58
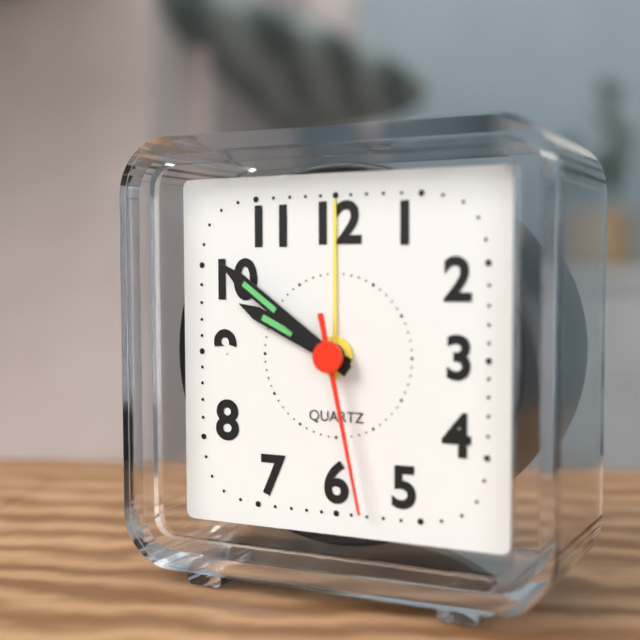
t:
9:51:28
